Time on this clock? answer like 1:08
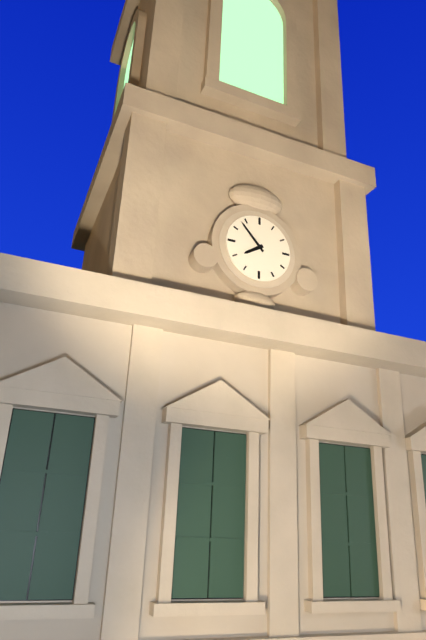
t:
7:53
